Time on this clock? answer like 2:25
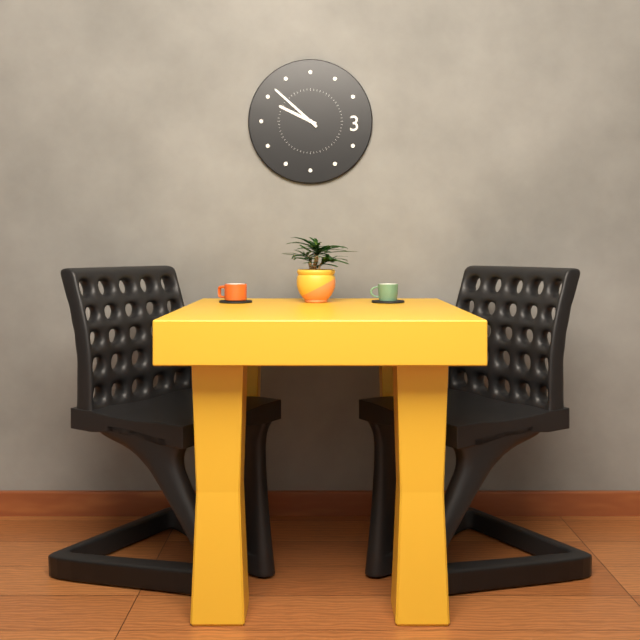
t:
9:52
